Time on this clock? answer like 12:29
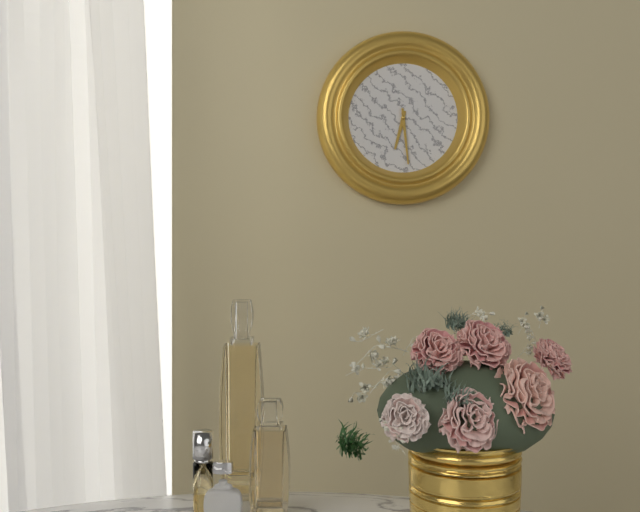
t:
6:29
